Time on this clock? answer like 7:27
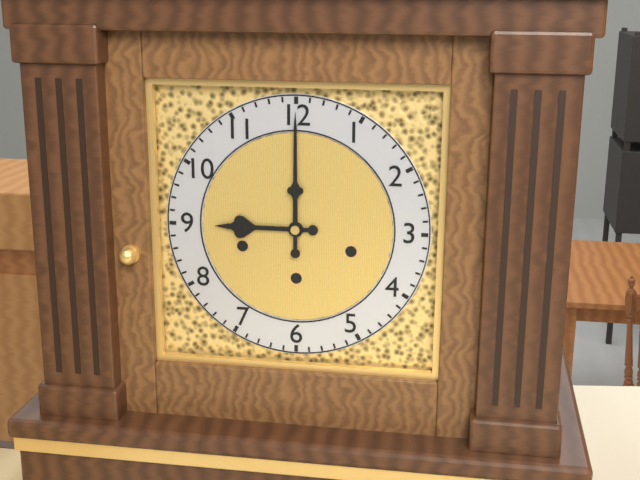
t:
9:00
